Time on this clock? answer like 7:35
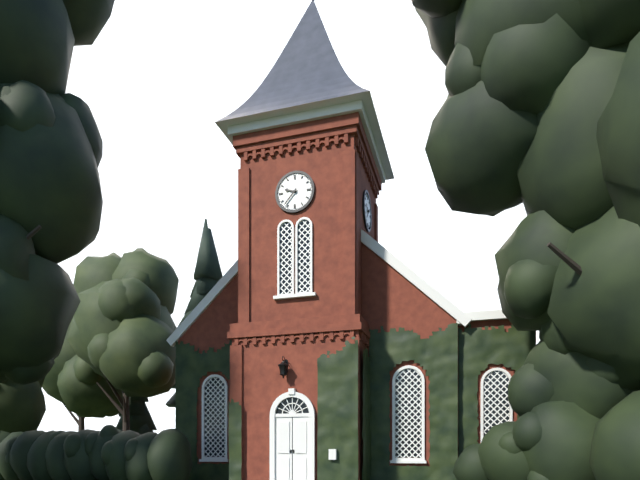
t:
9:37
